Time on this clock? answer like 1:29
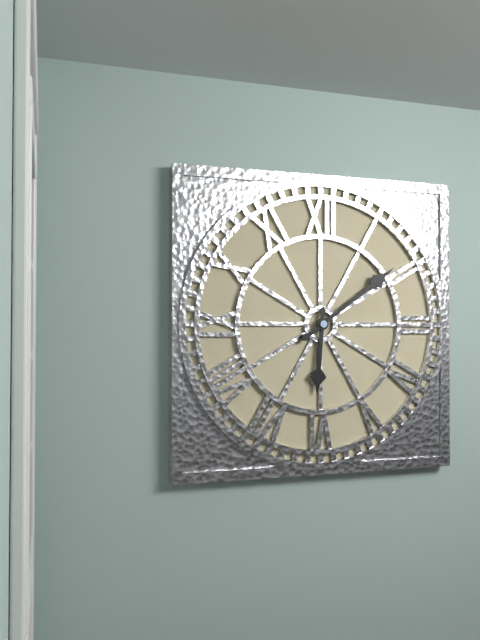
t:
6:09
